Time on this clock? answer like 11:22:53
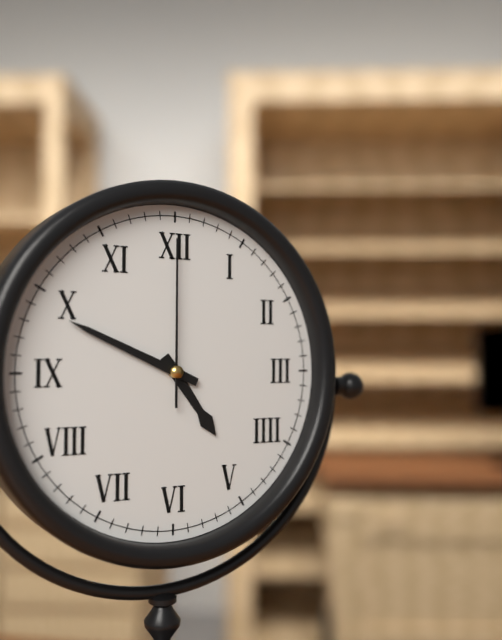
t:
4:49:00
